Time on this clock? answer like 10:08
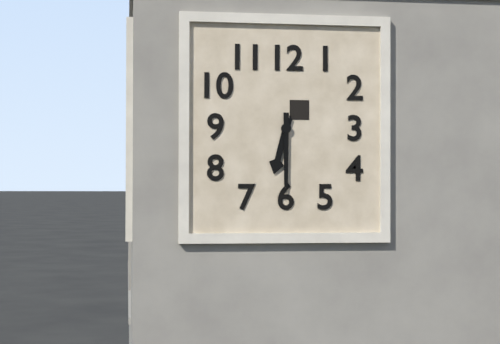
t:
6:30
